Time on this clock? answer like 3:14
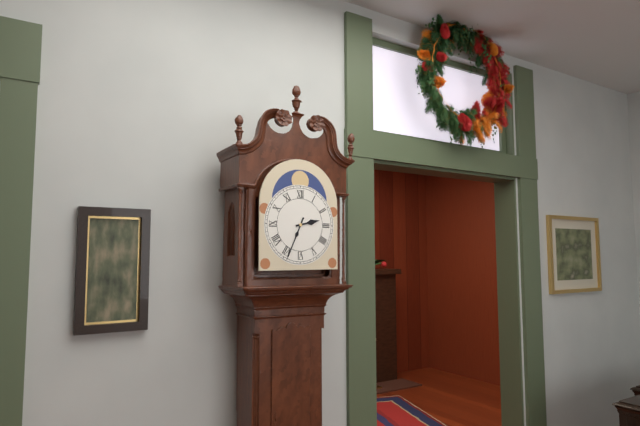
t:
2:34
